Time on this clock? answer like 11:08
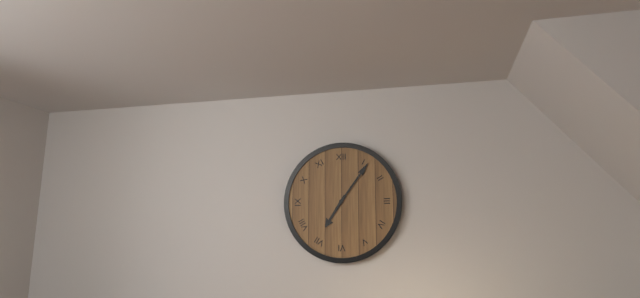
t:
7:06
